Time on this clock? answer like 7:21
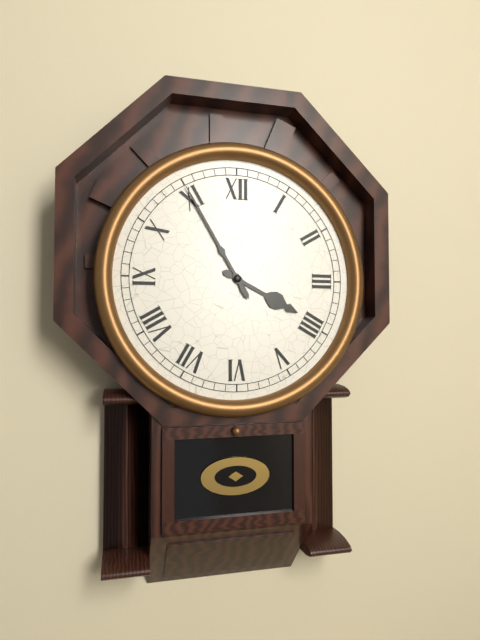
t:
3:55
